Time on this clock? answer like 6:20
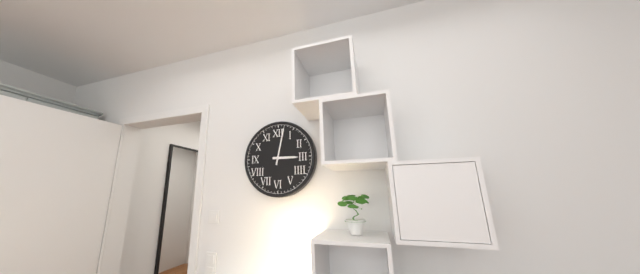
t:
3:02
